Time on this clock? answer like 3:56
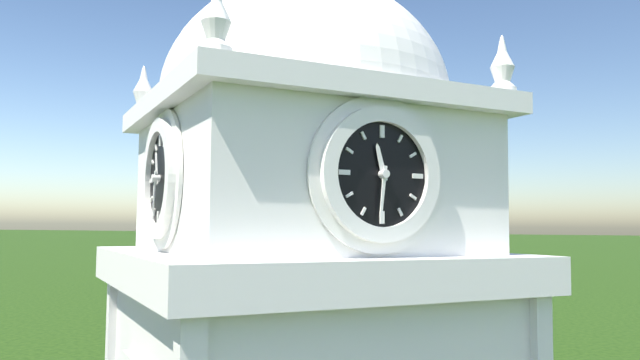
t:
11:31
